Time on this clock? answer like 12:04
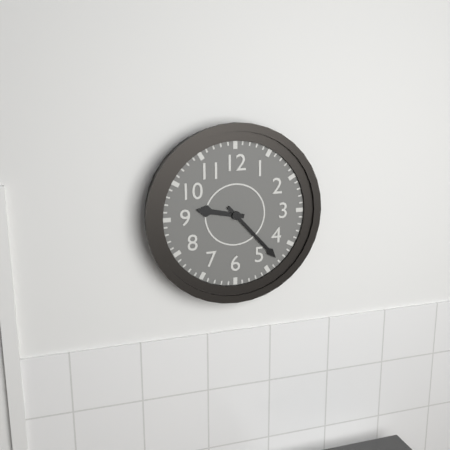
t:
9:23
